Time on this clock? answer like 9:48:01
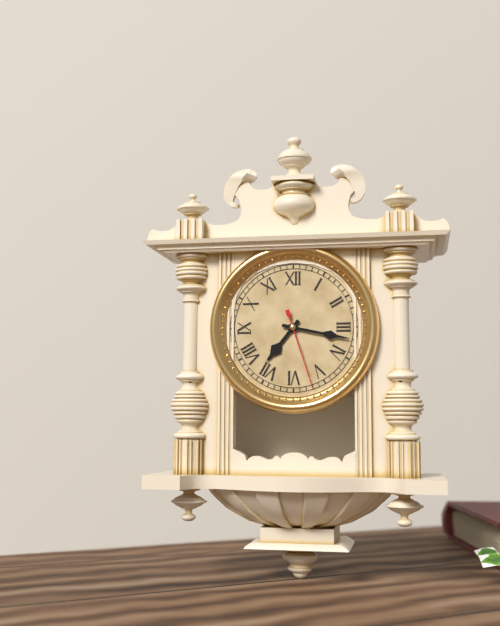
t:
7:17:27
